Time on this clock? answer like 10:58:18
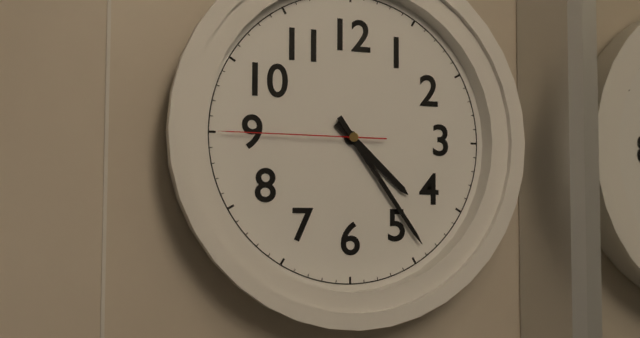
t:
4:24:45
